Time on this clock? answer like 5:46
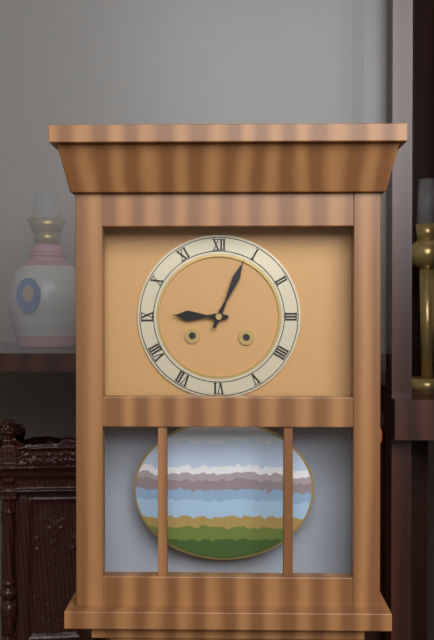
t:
9:04
